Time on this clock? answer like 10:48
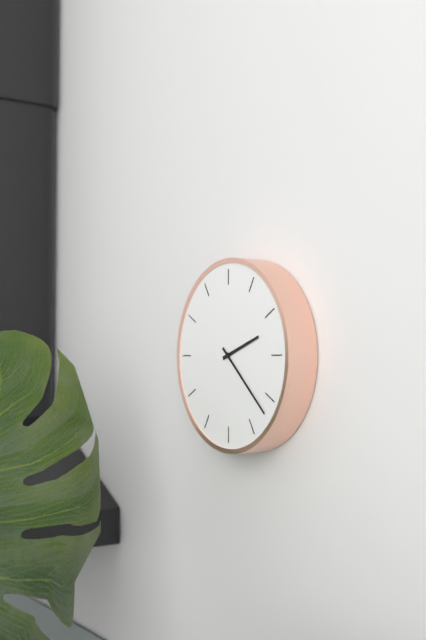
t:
2:22
